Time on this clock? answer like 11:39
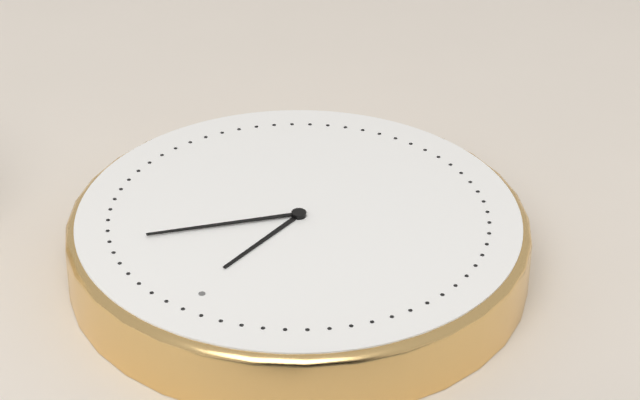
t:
12:07
